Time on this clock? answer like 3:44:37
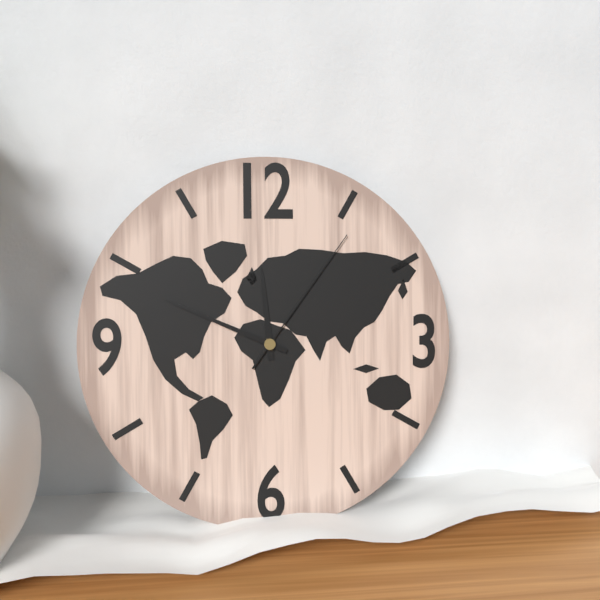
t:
11:49:06
